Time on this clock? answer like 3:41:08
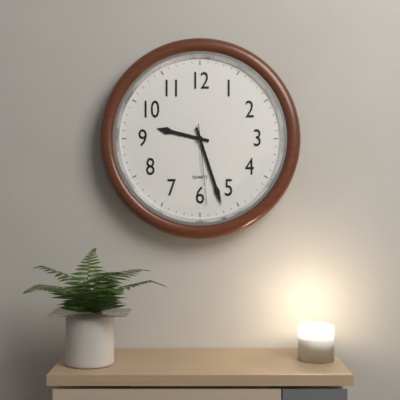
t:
9:27:29
